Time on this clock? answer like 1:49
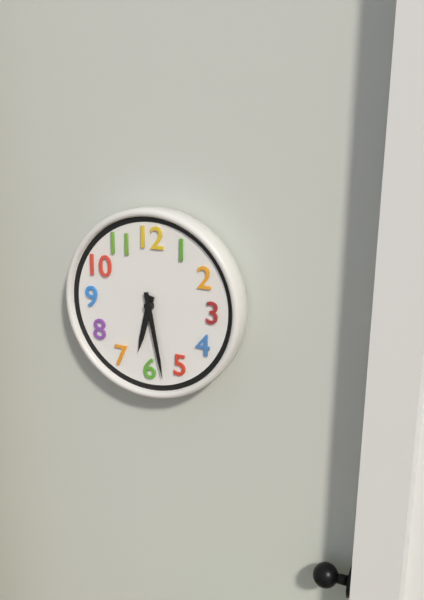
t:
6:28
